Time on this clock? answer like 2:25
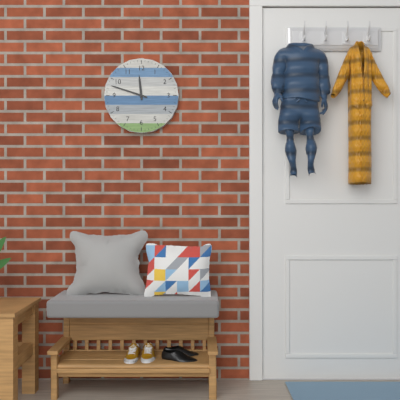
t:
11:48
